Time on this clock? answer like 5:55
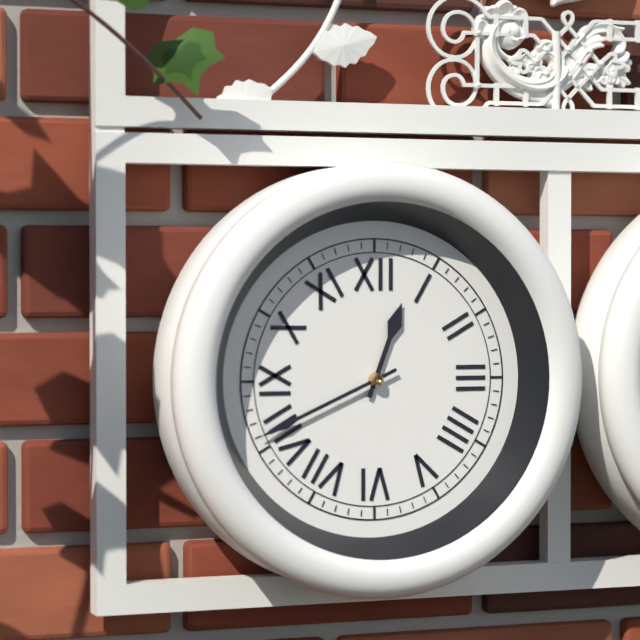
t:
12:41
